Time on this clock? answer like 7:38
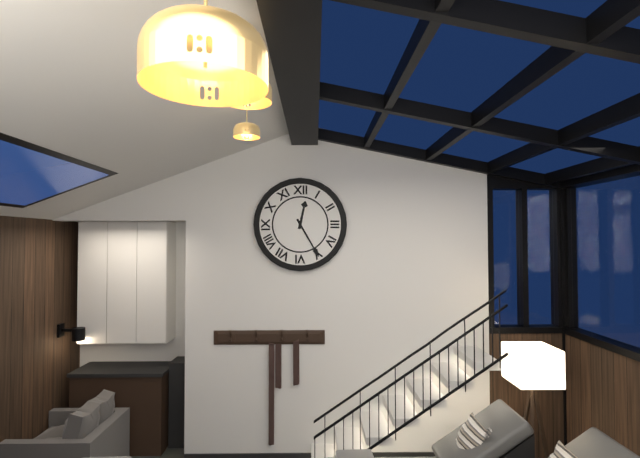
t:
12:25
